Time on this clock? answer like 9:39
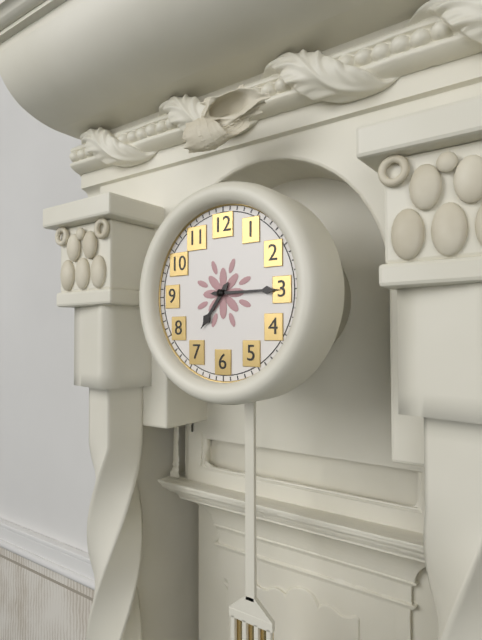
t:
7:15
